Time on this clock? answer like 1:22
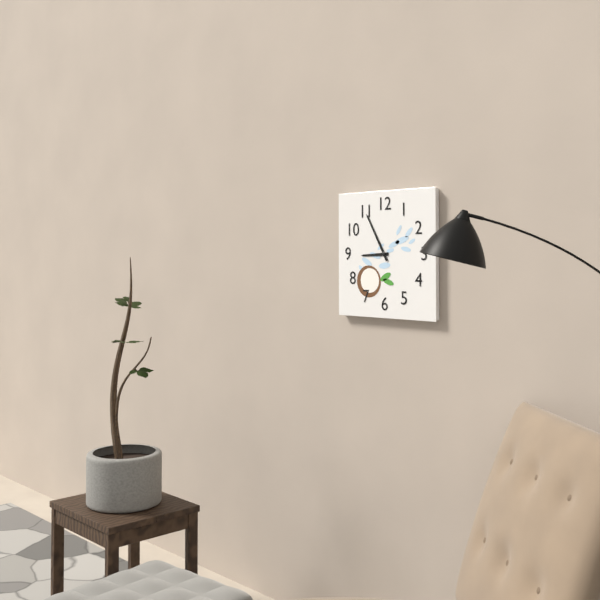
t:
8:55
